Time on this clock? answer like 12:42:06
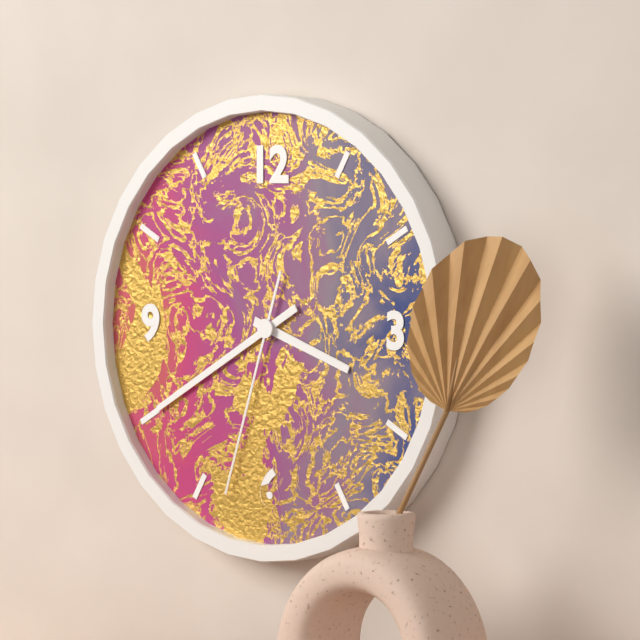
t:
3:40:33
